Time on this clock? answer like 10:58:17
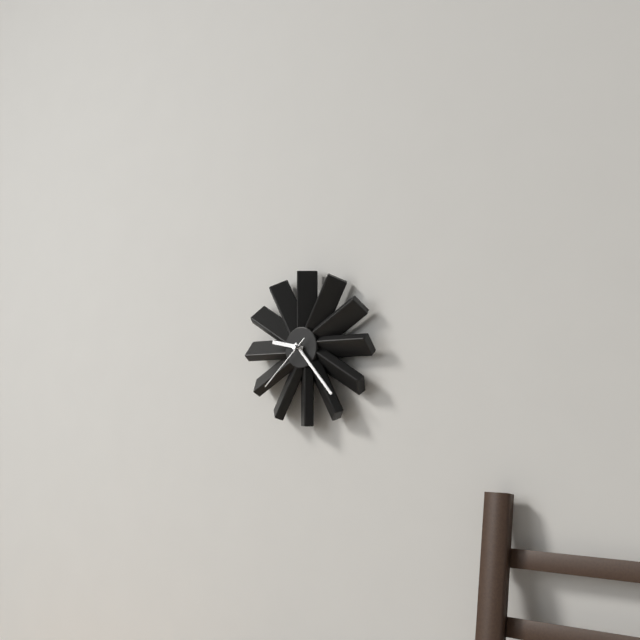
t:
9:23:38
